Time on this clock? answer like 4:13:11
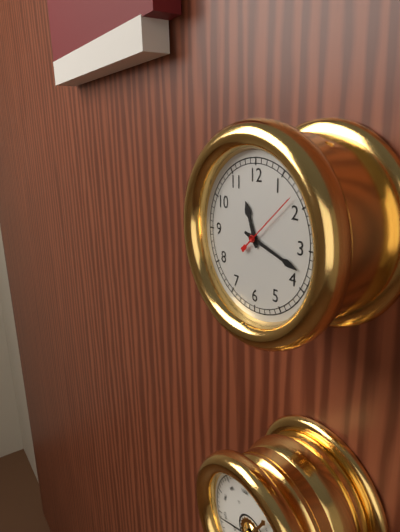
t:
11:18:08
